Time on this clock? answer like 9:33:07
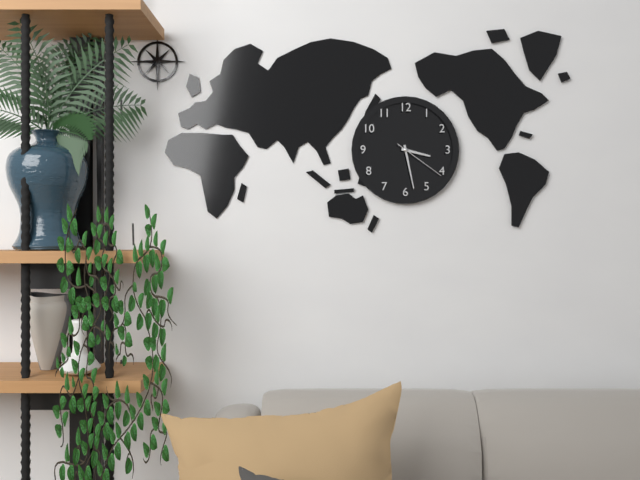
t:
3:28:21
